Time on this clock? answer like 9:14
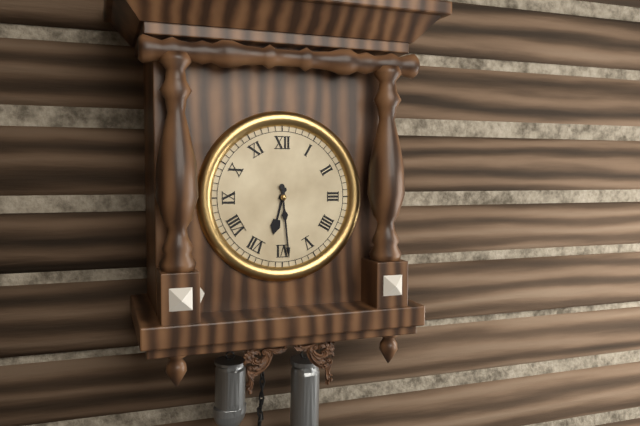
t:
6:29
